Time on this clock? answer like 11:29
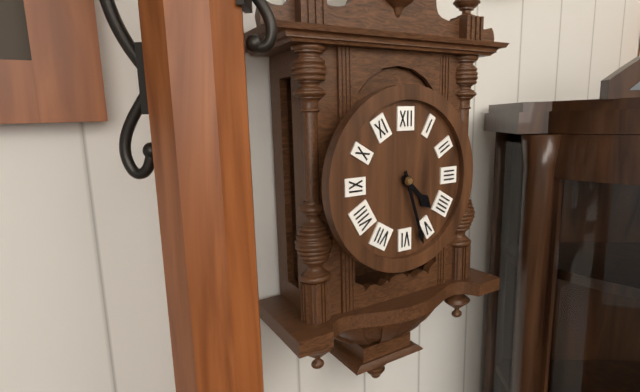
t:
4:27
